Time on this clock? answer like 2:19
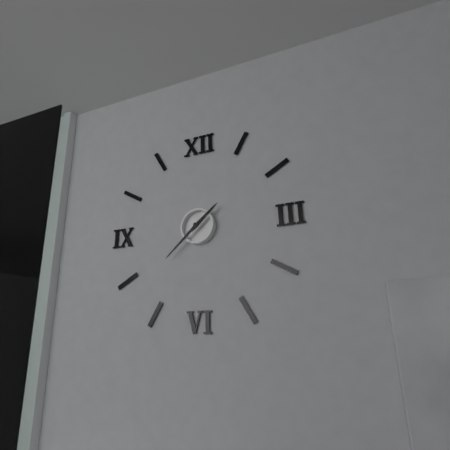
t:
1:38
